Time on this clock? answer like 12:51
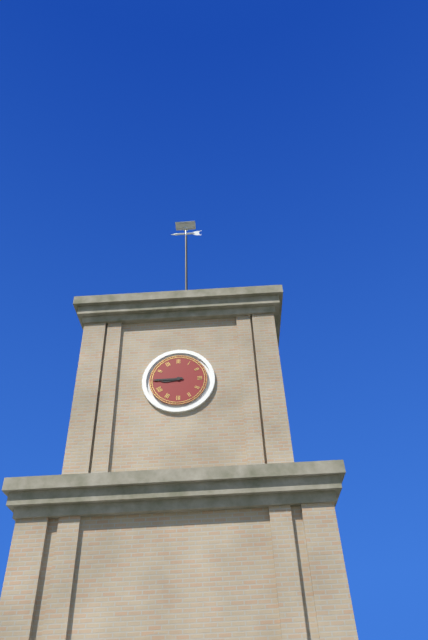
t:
8:45
